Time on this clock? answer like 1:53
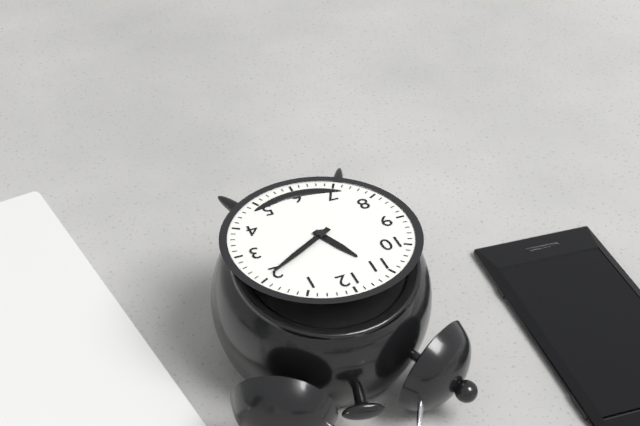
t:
11:10
